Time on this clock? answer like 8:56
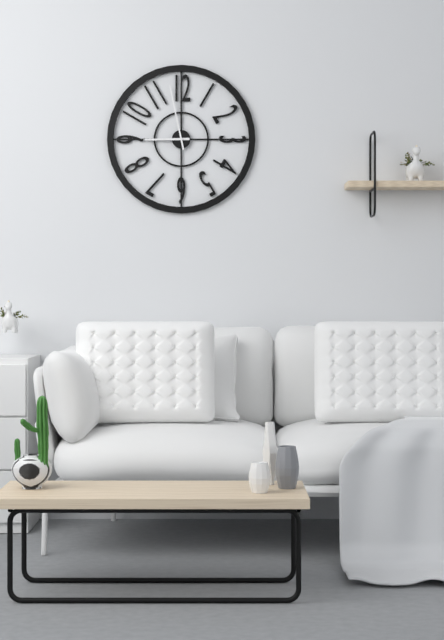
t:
8:58
